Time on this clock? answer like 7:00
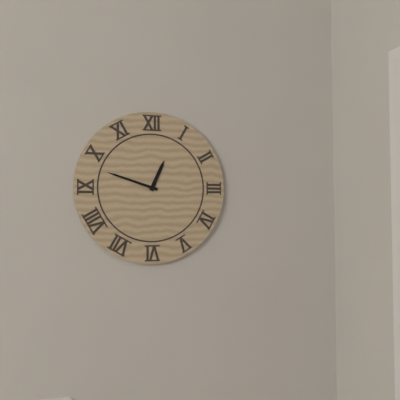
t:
12:48
